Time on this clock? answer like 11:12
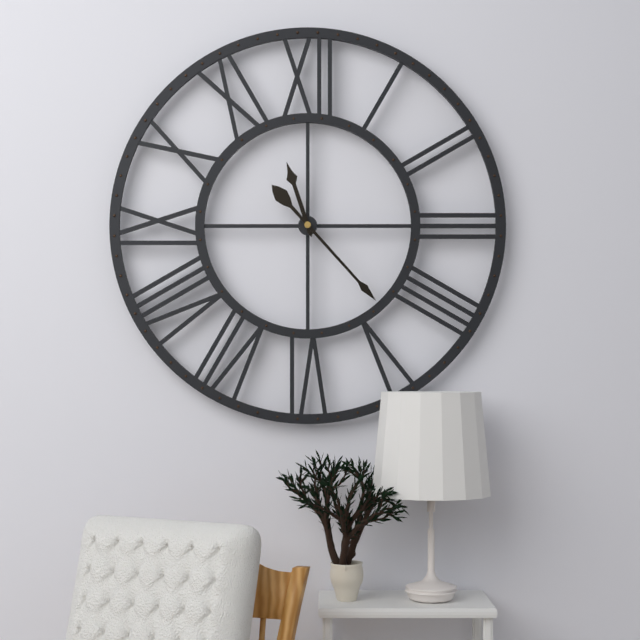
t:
11:23
